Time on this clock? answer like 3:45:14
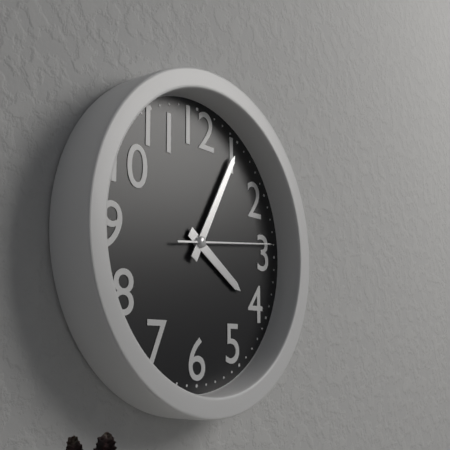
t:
4:05:14
